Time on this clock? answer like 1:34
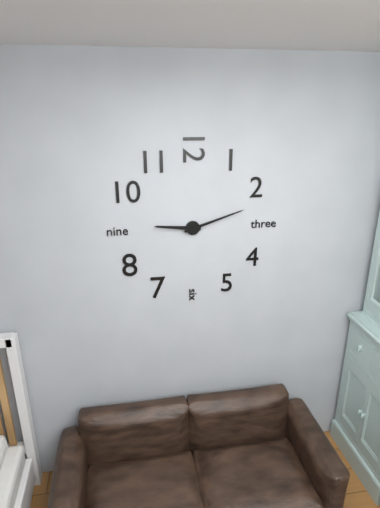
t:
9:12
